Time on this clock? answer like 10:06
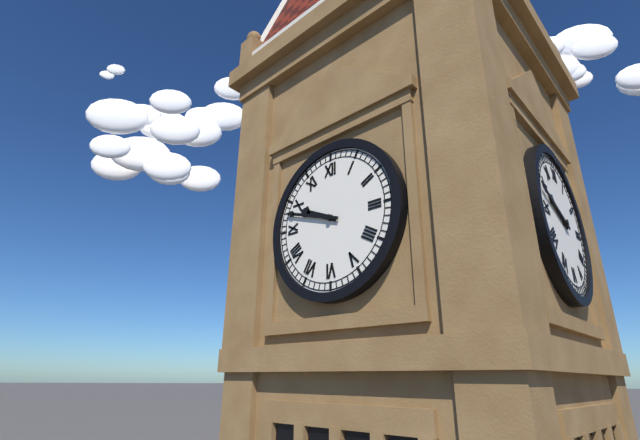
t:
9:48
